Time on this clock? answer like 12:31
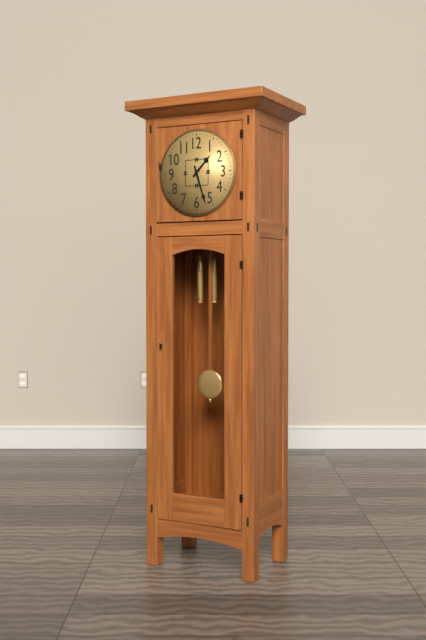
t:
1:27
